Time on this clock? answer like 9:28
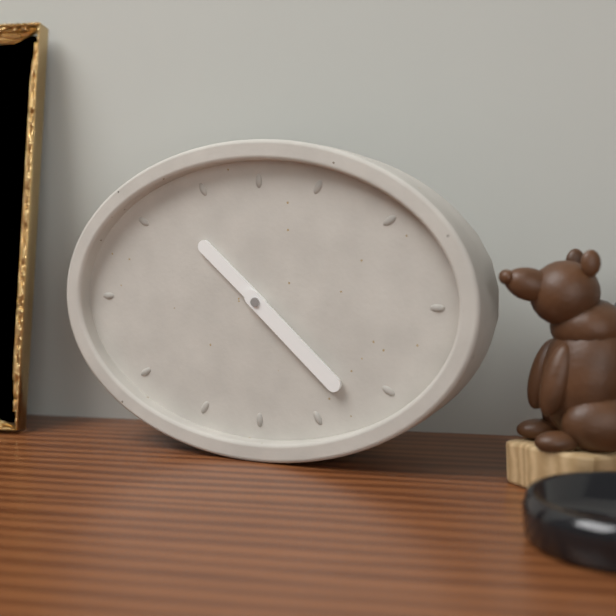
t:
10:22
